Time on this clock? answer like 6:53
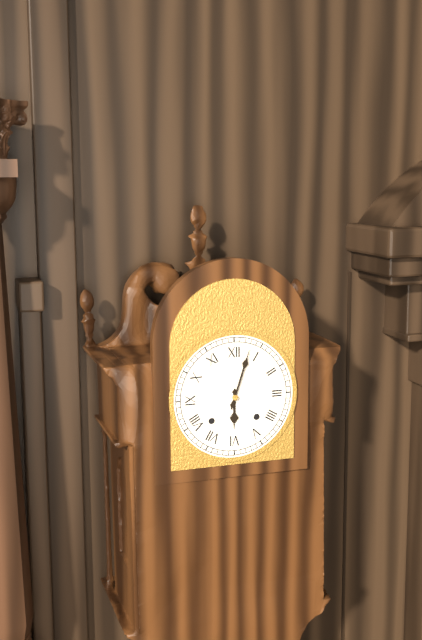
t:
6:03
